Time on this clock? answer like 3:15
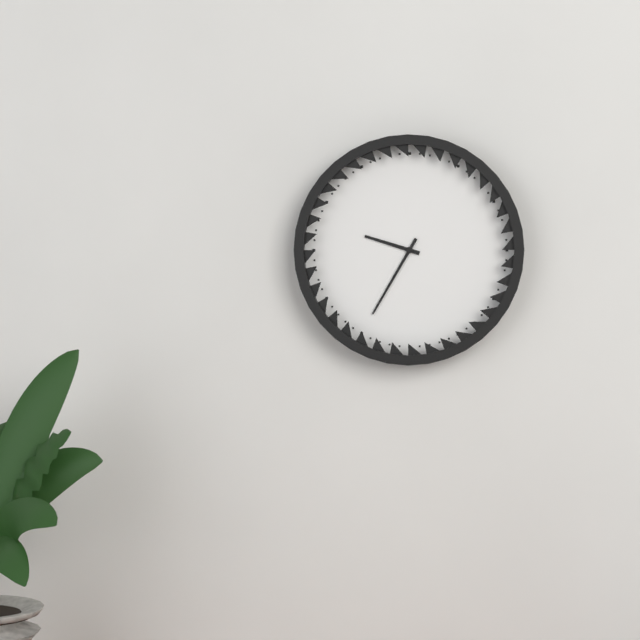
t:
9:35
